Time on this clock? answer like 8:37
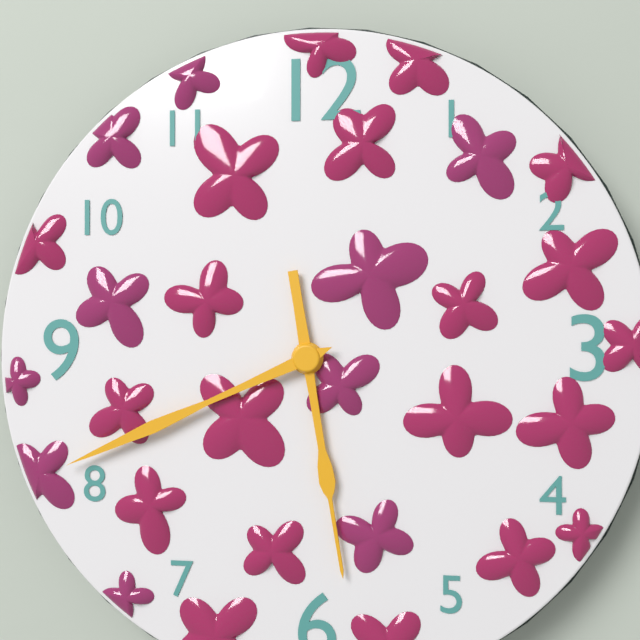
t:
5:41
